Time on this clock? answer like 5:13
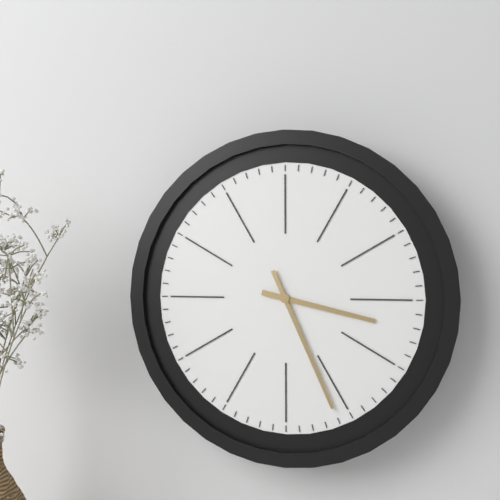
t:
3:26
